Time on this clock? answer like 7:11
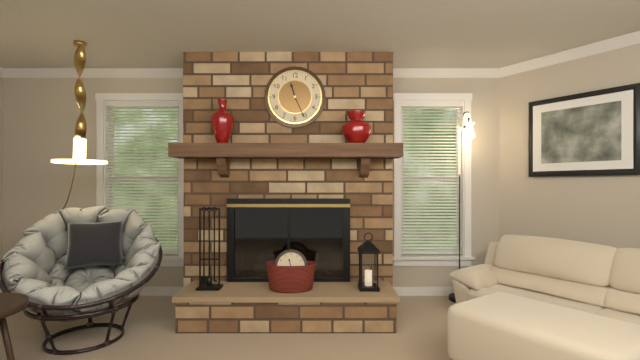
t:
11:26
